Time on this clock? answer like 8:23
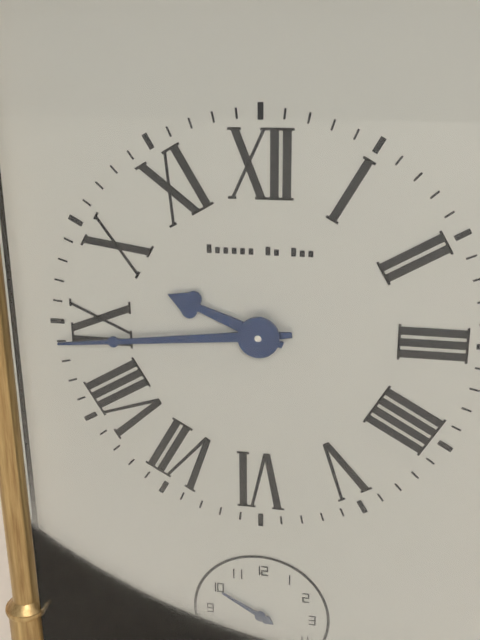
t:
9:44
